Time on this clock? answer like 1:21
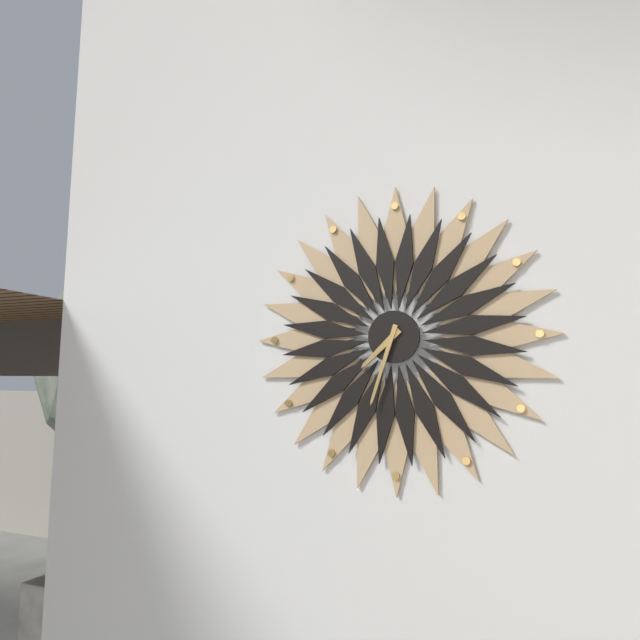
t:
7:33
